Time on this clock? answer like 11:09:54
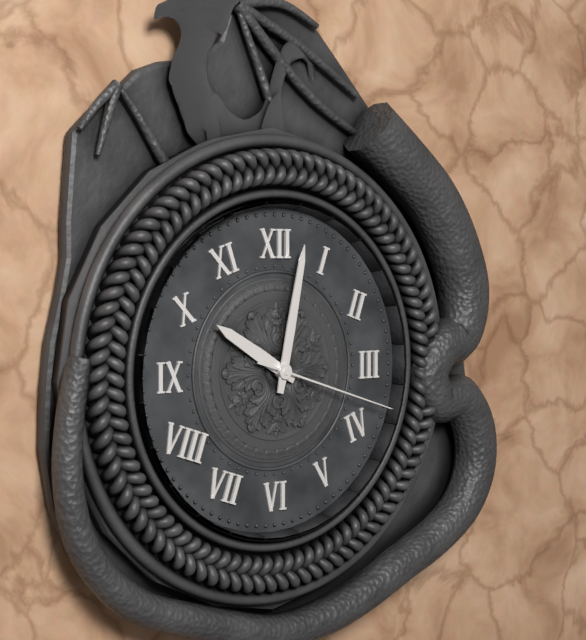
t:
10:02:18
